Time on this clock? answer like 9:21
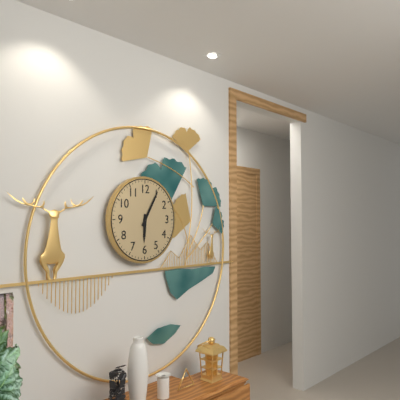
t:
6:05
